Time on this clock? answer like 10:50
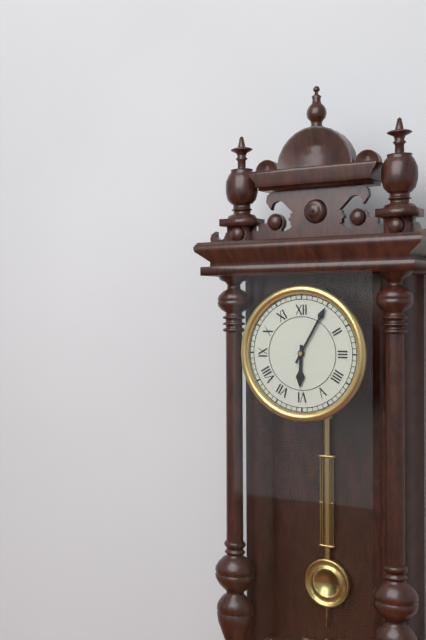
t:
6:05
